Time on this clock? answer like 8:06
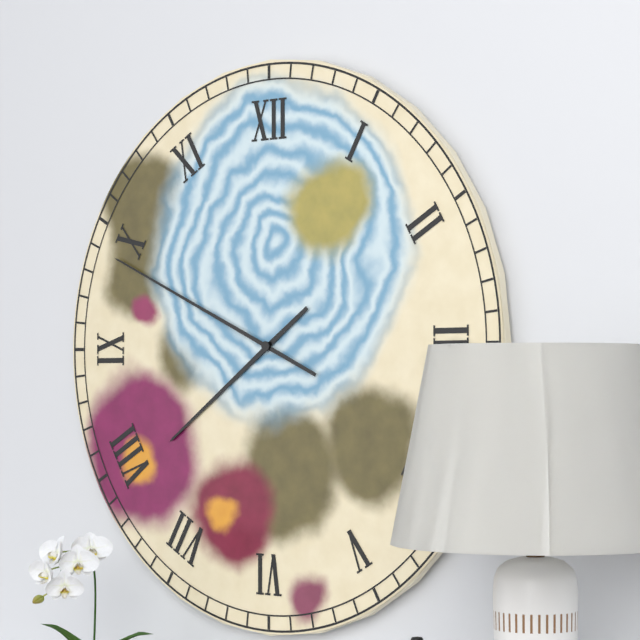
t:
7:49
